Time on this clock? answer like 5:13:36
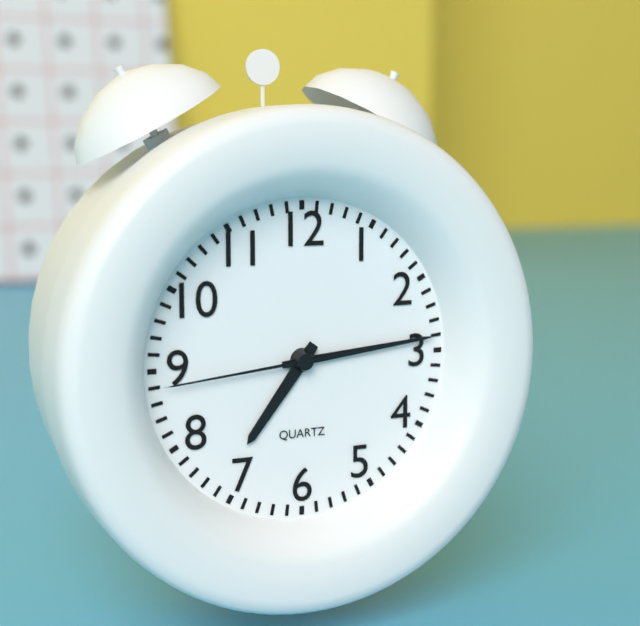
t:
7:14:44
